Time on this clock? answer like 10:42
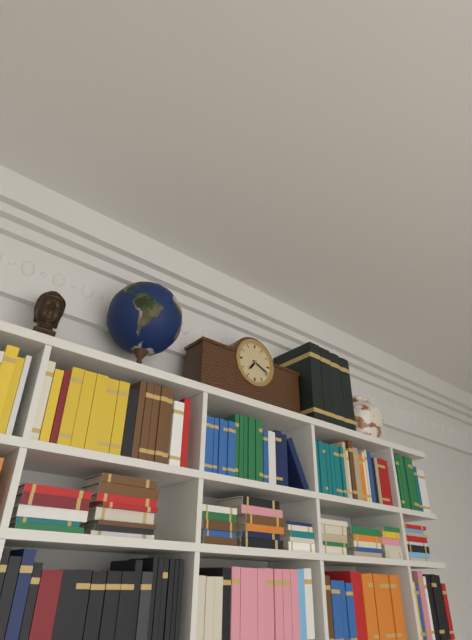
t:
7:19
